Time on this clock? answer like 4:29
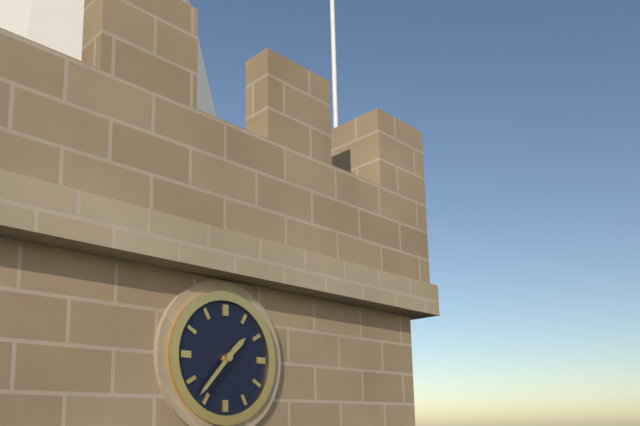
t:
1:37
